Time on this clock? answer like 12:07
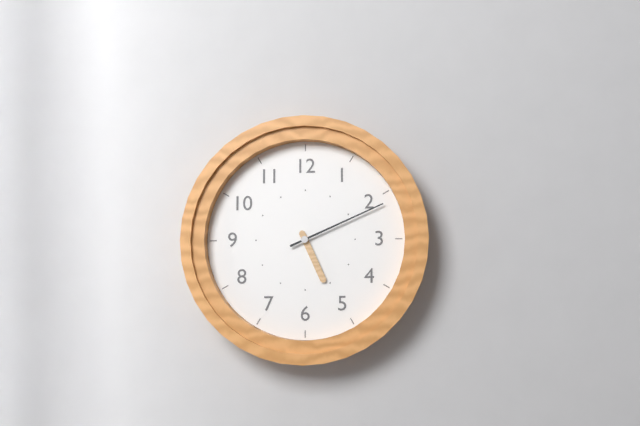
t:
5:11
